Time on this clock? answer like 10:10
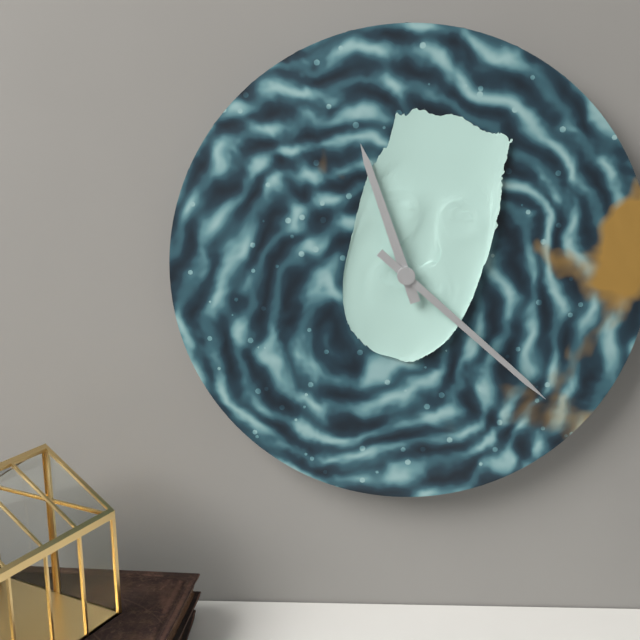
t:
11:22
